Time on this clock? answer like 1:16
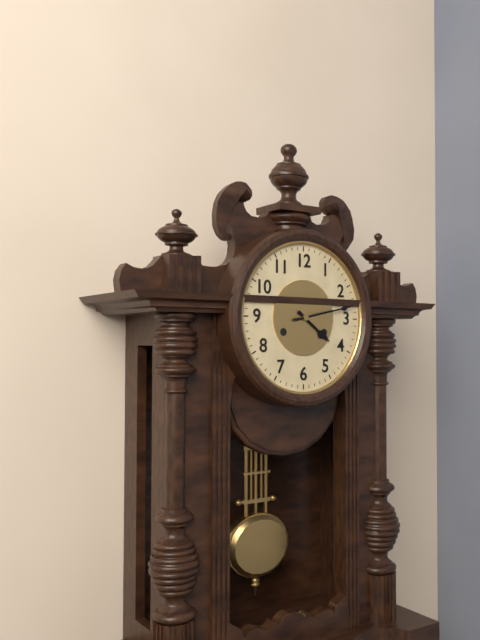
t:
4:13
